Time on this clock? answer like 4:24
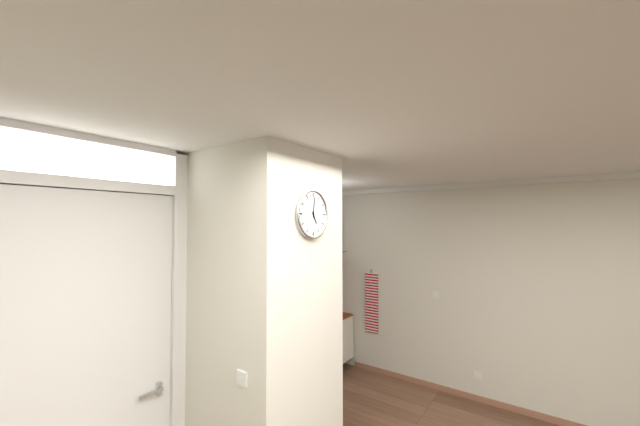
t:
5:01
